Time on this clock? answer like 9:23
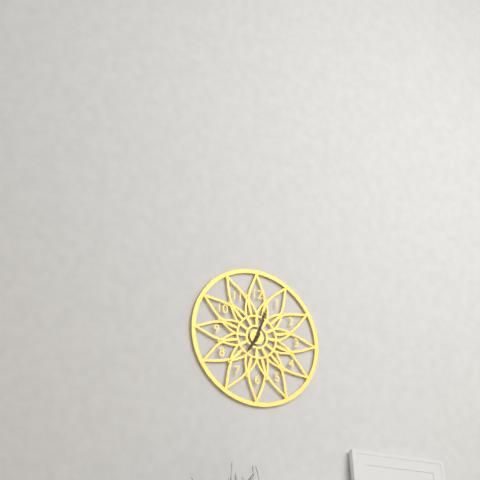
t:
7:03
